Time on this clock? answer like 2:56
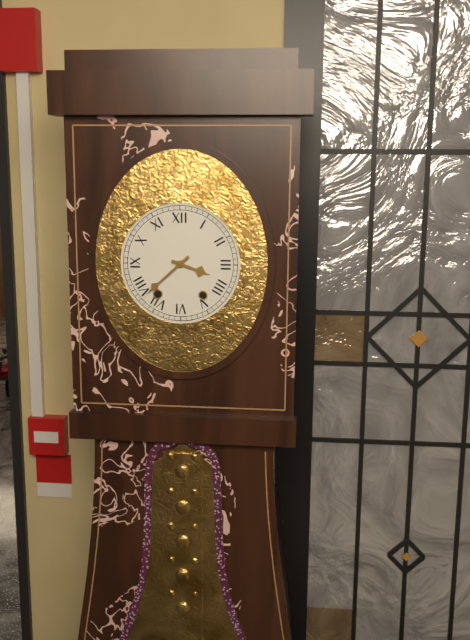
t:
3:38
